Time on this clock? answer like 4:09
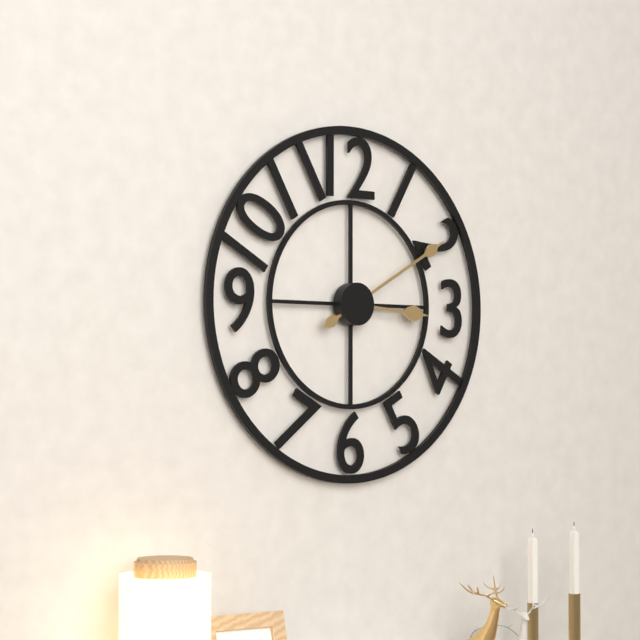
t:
3:10
